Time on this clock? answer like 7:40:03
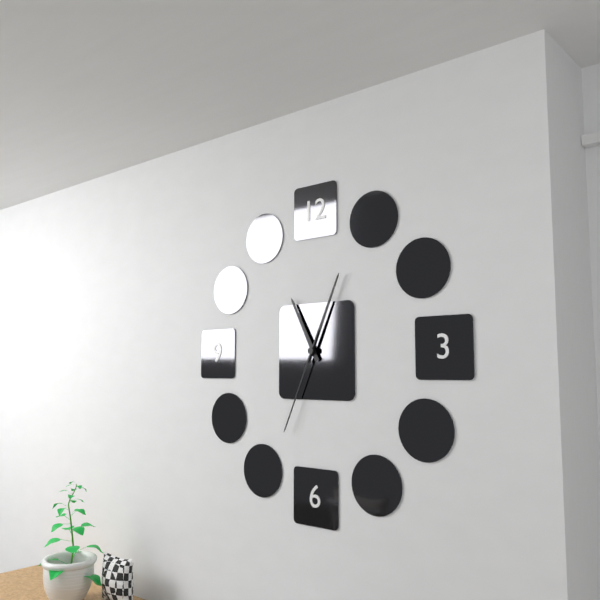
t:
11:04:34
